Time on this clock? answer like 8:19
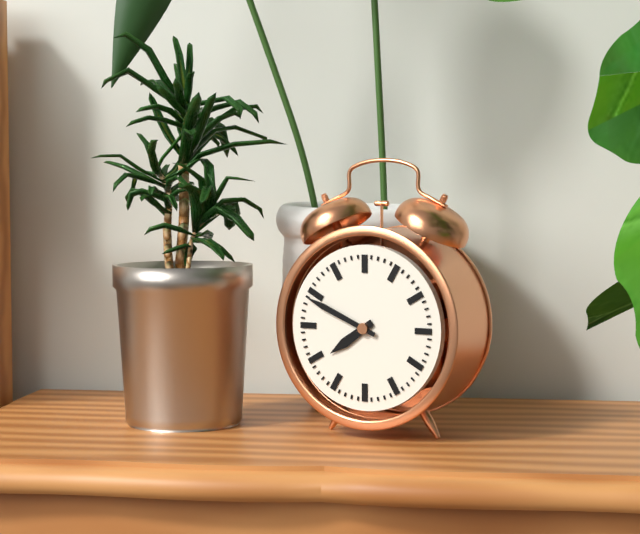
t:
7:49
